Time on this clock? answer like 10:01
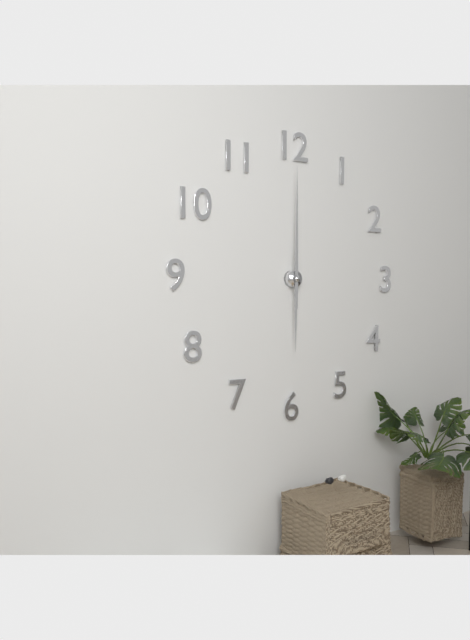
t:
6:00
